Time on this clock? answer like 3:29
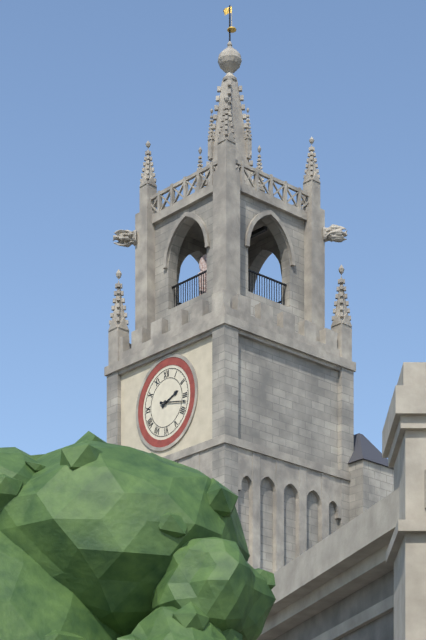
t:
2:17
